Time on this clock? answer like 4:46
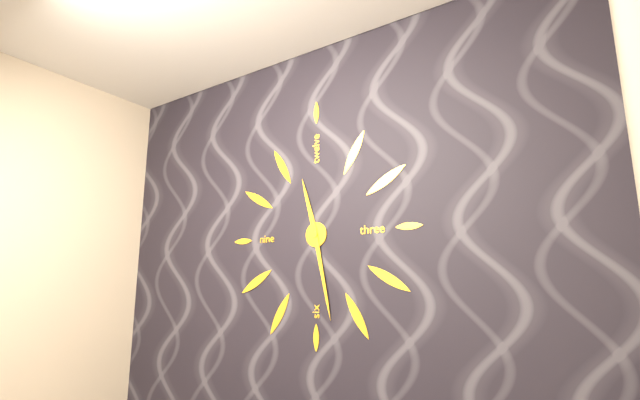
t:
11:28
